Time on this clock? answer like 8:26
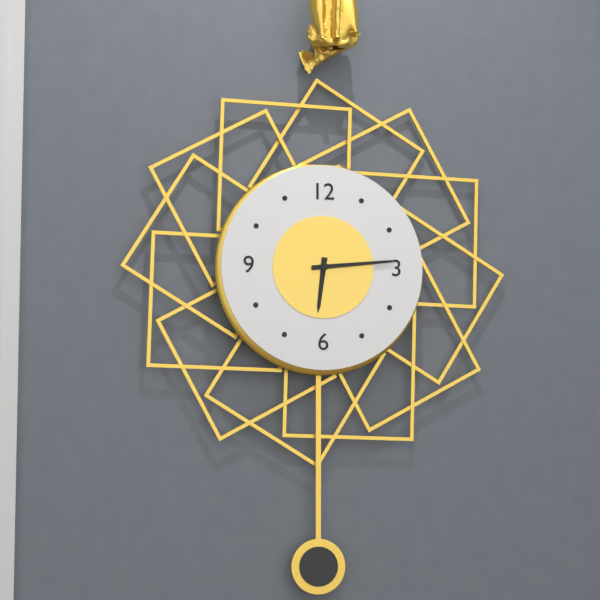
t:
6:14
